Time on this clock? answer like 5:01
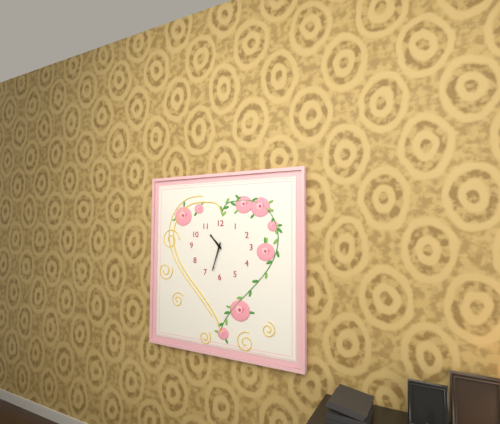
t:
10:33
